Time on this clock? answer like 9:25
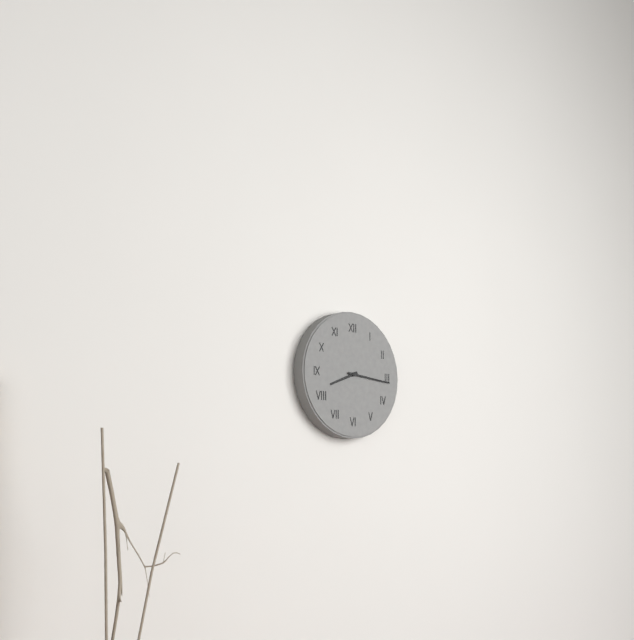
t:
8:16
